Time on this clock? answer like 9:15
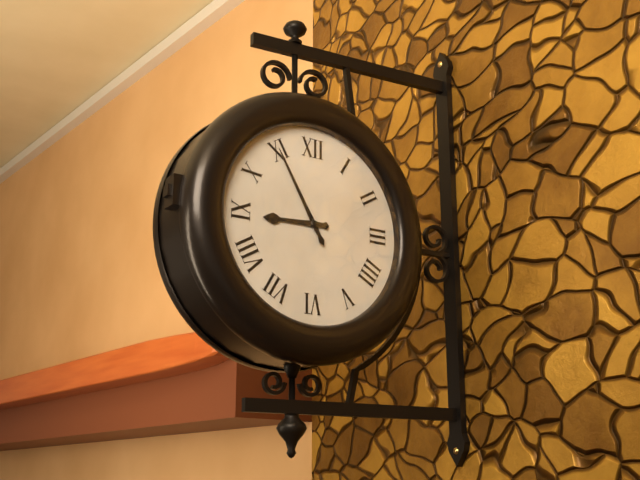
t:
8:55
